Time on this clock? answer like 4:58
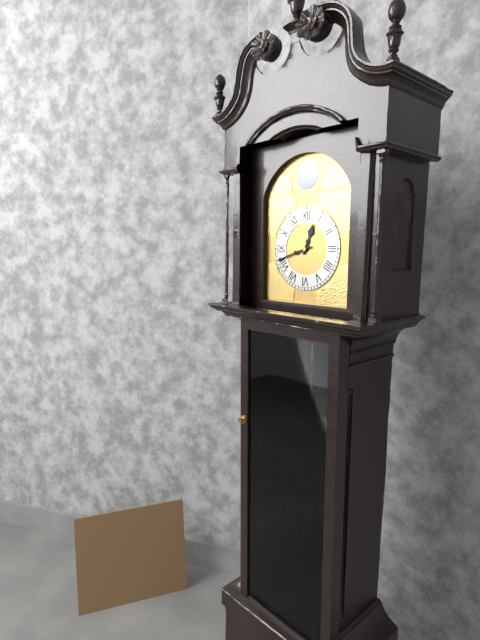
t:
12:42
